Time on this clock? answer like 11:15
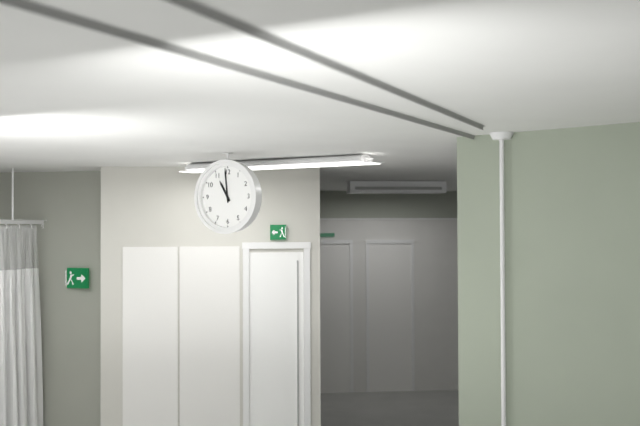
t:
10:59
